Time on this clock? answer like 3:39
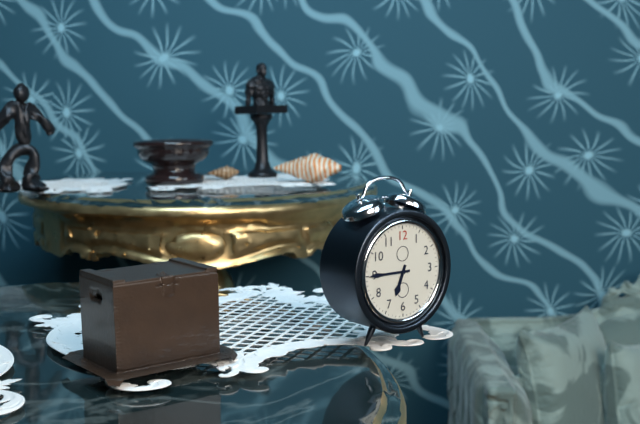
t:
6:45
